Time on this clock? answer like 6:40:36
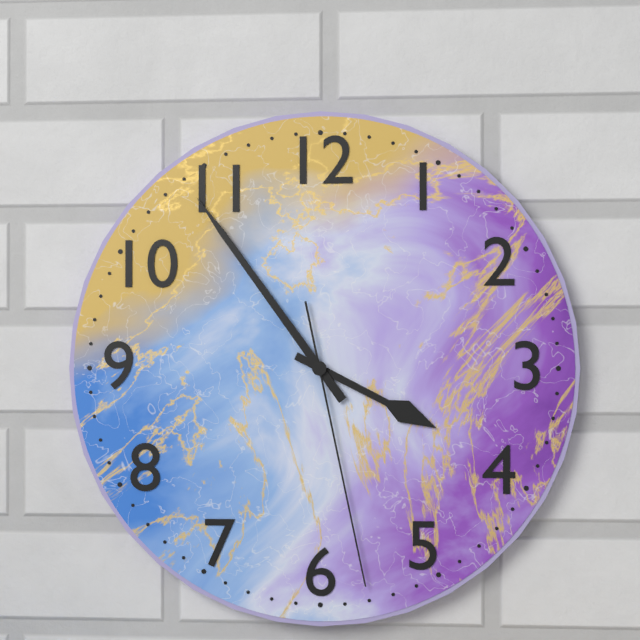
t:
3:54:28
